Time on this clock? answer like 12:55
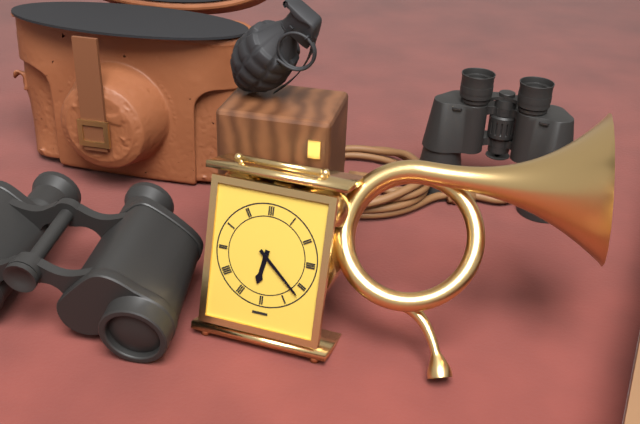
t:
6:22
